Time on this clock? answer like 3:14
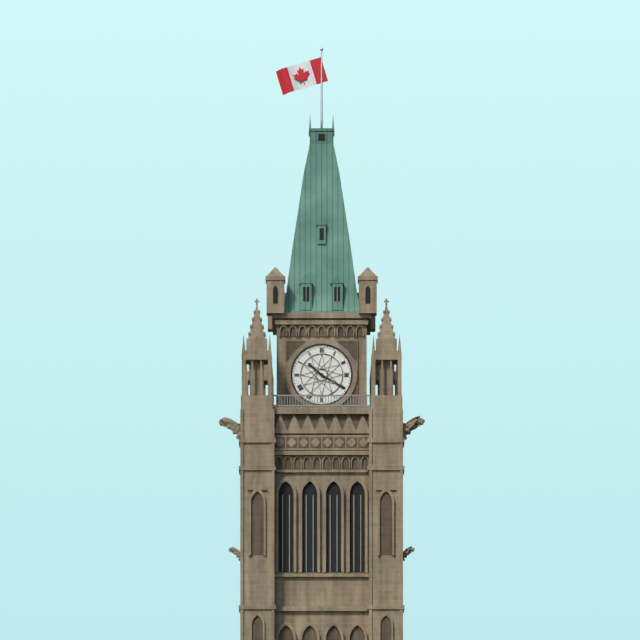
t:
10:20
